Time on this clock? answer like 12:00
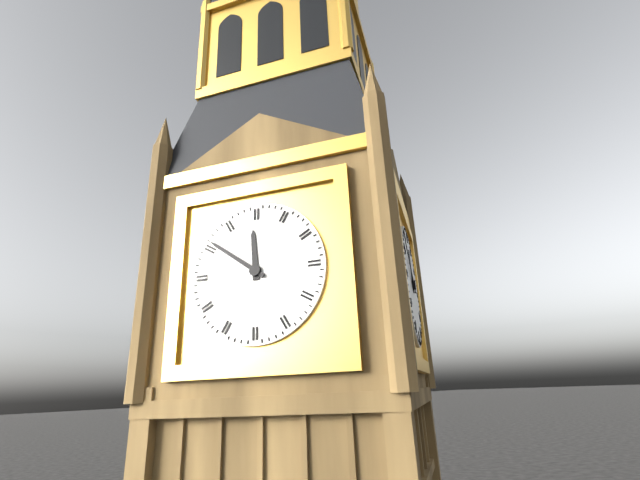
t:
11:51
